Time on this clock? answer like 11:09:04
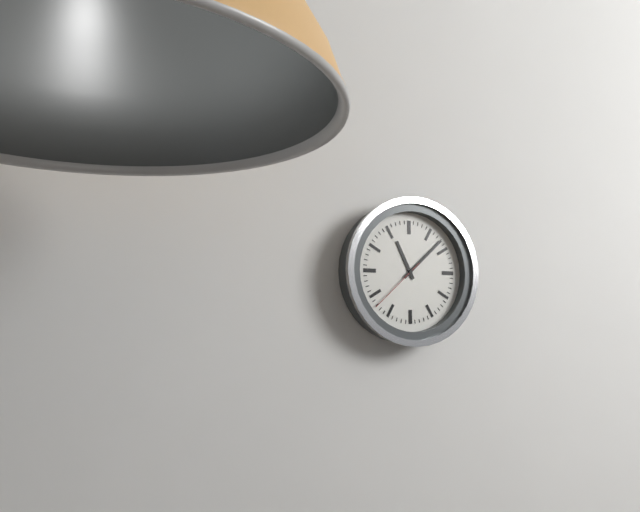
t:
11:08:38
